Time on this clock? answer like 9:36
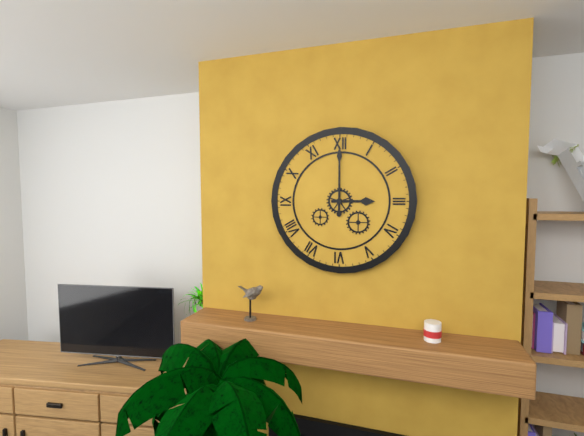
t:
3:00
